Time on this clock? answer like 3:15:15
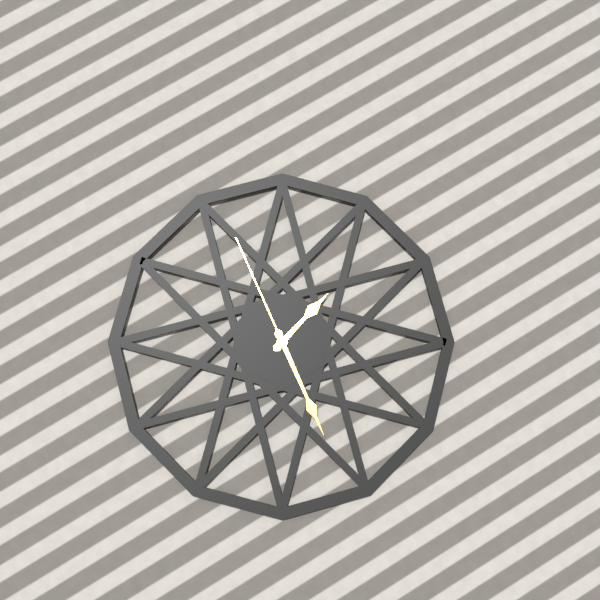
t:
1:26:56
